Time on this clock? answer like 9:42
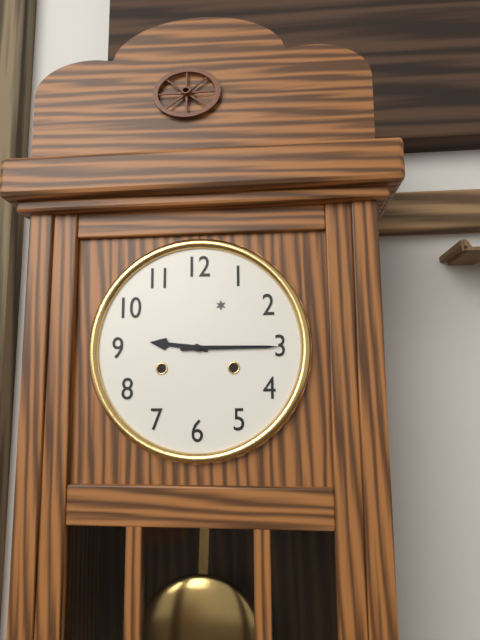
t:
9:15
